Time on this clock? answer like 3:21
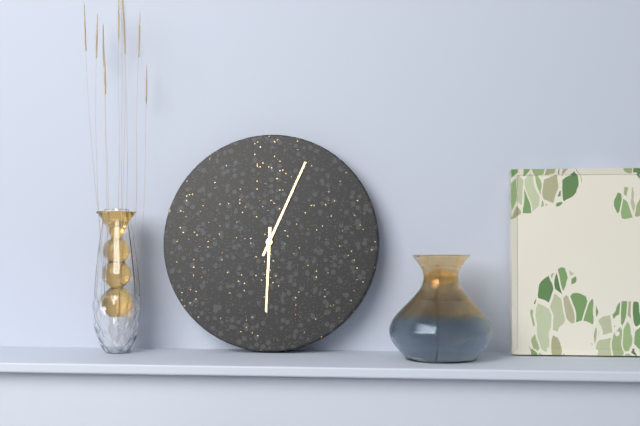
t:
6:04
